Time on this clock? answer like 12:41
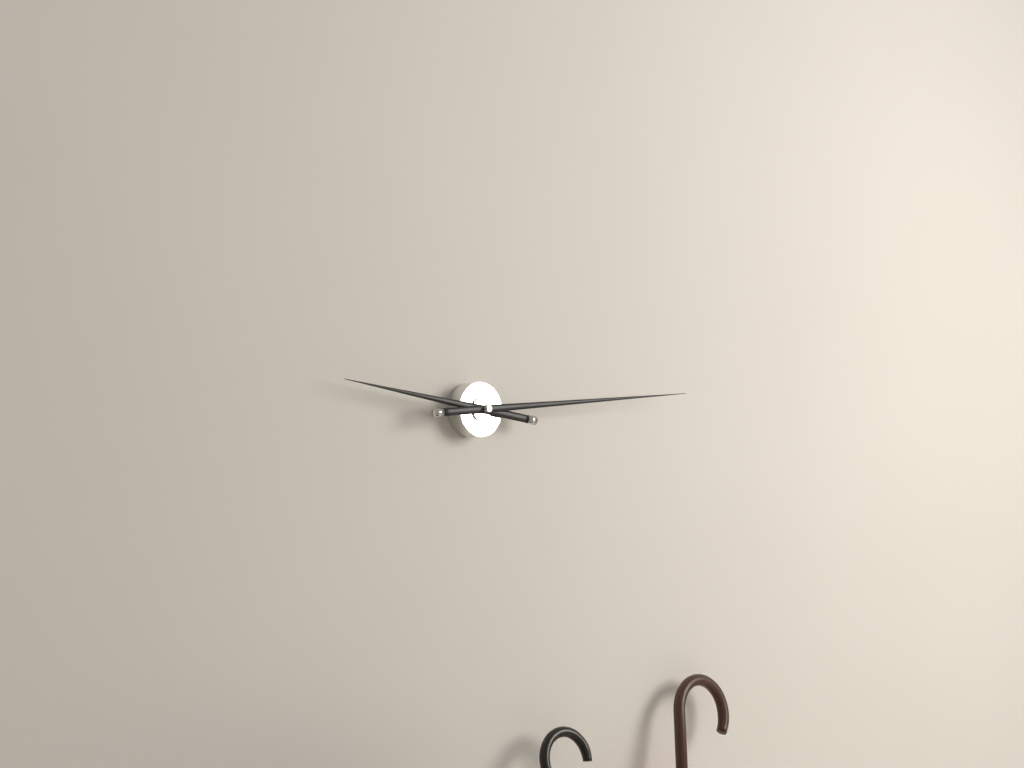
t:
9:14
